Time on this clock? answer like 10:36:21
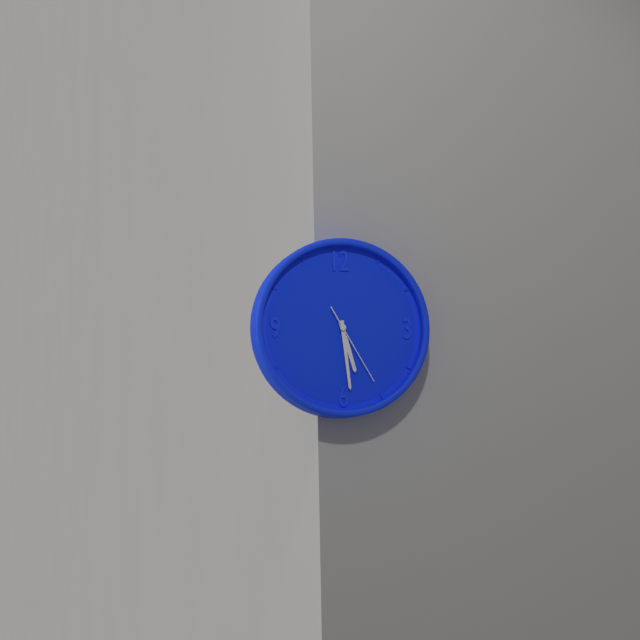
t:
5:29:25
